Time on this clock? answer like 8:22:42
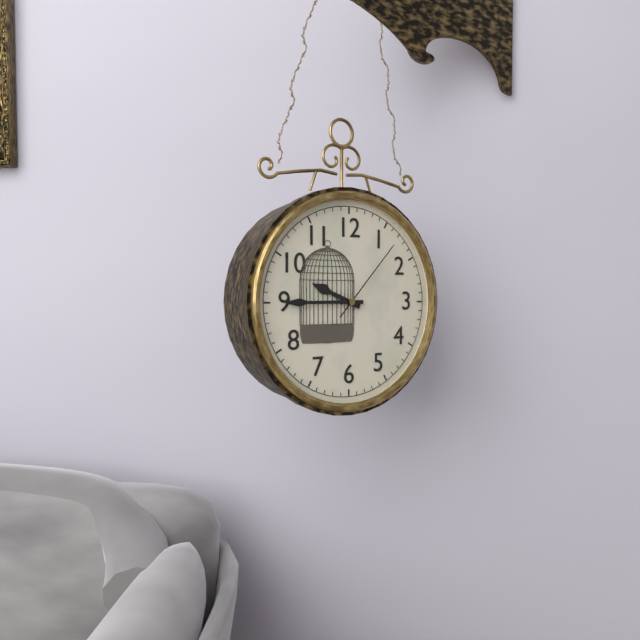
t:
9:45:07
